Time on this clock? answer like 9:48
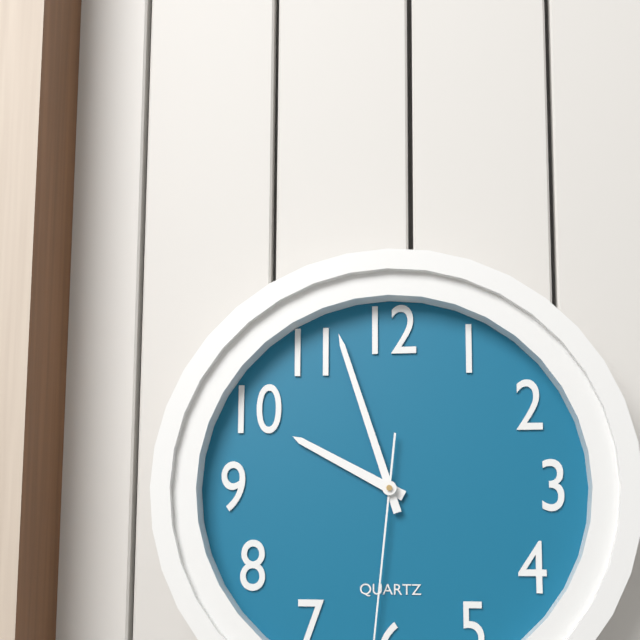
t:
9:57
